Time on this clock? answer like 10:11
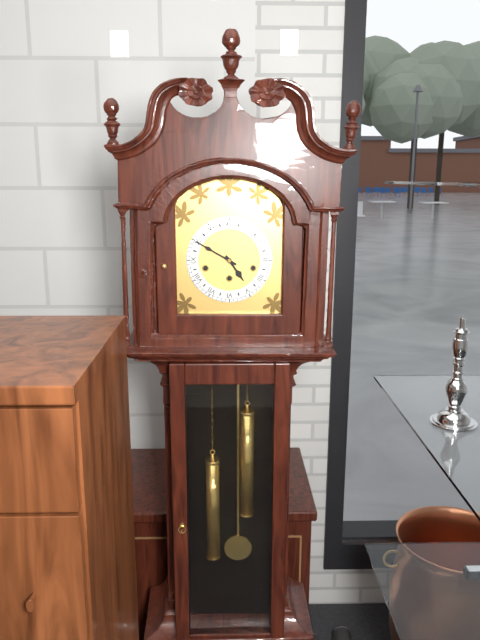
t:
4:50
